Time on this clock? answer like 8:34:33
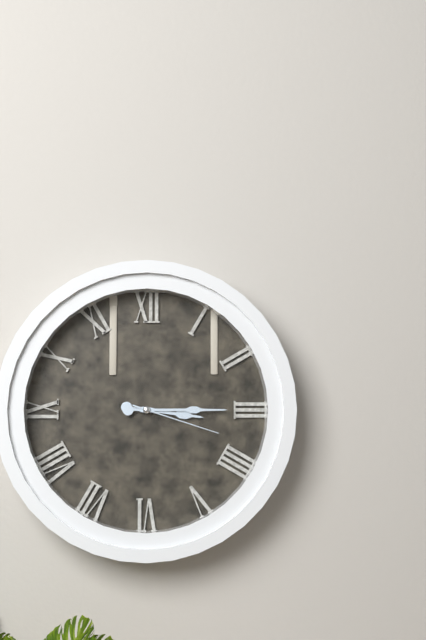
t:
3:15:18
